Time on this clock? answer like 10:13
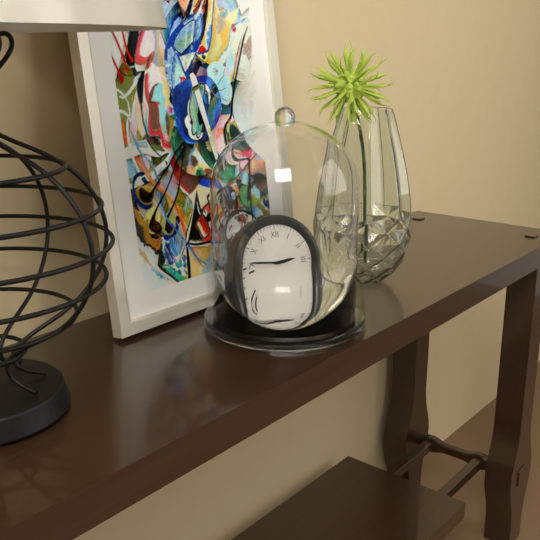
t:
2:46
